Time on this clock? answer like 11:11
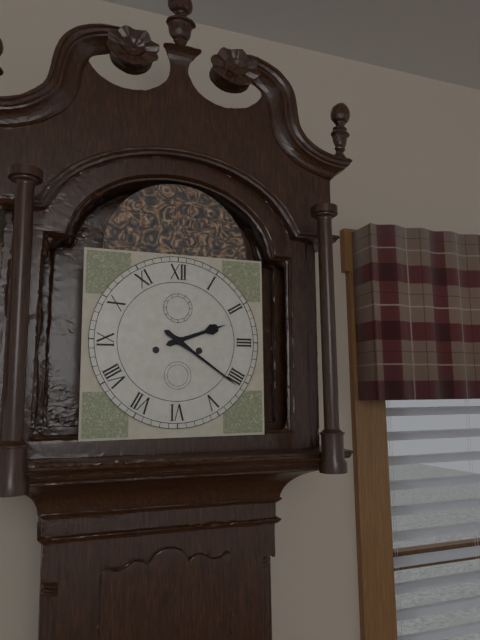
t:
2:21
